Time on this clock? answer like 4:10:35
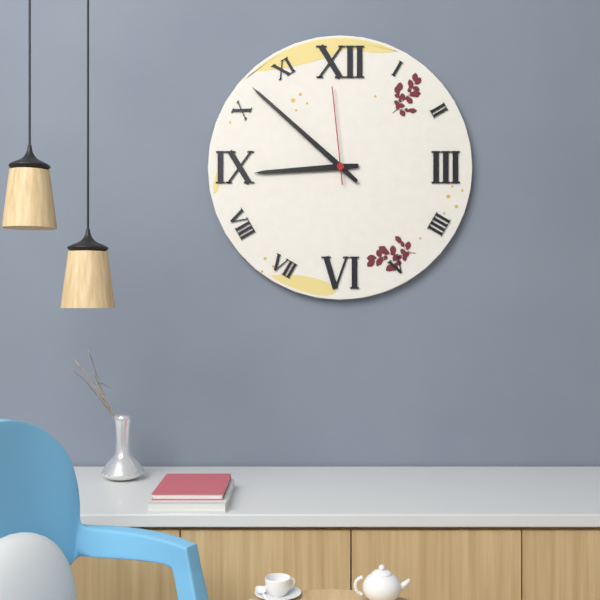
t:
8:52:59
